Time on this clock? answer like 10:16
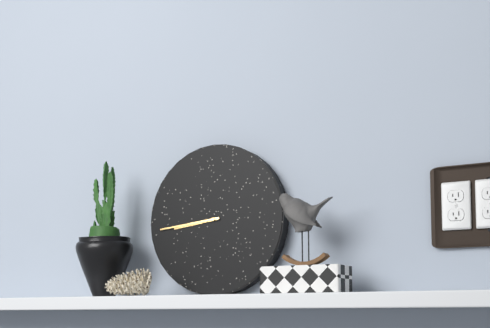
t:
8:44
